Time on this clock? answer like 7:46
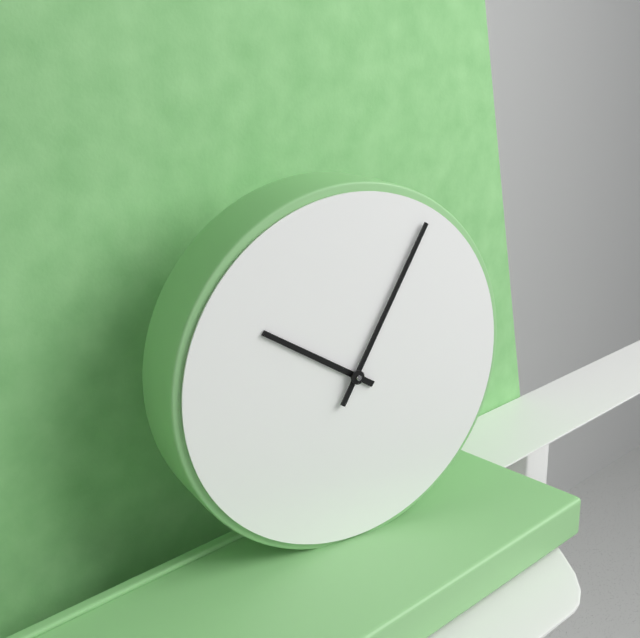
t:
10:05
